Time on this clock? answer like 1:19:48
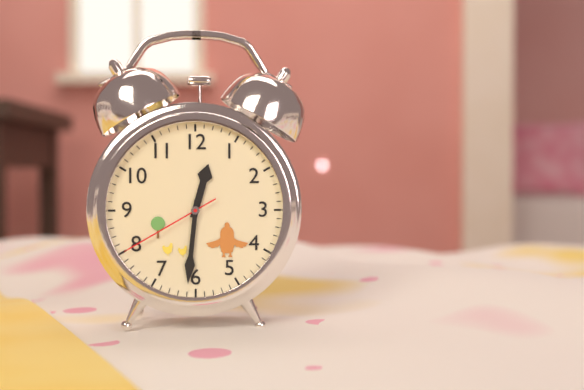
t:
12:31:40
